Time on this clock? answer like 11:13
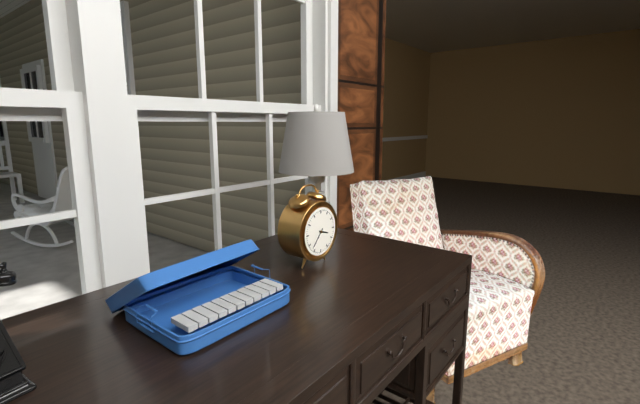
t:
3:37
